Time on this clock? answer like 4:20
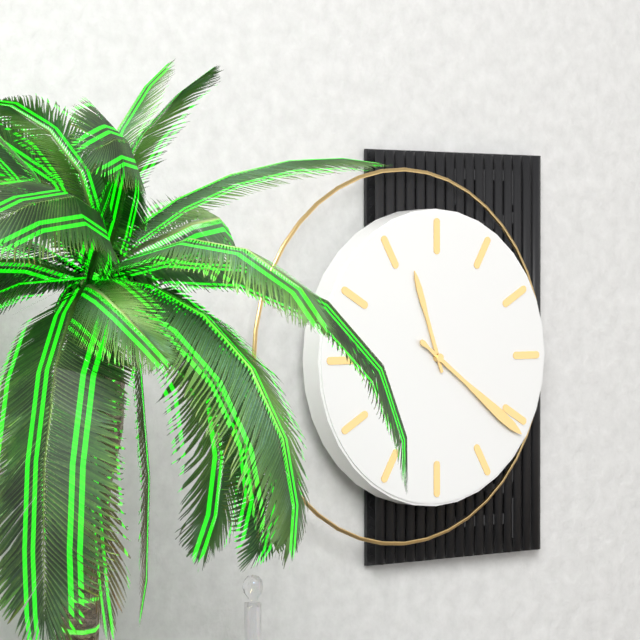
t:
11:21
